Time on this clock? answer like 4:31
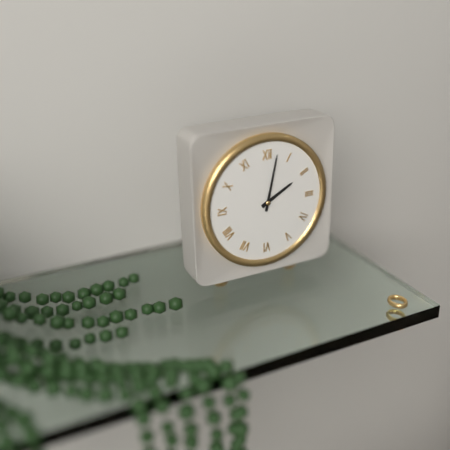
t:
2:02
